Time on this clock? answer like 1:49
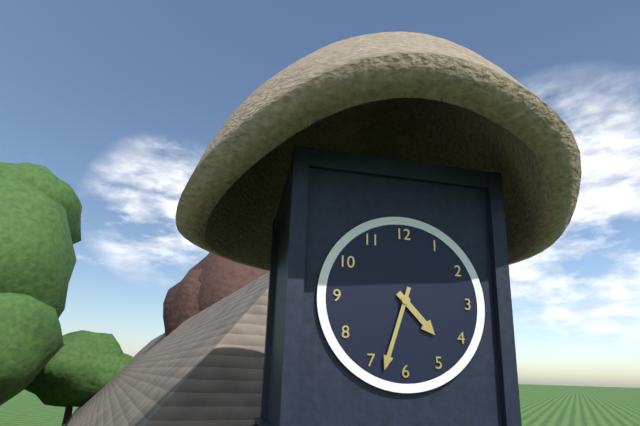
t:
4:33
